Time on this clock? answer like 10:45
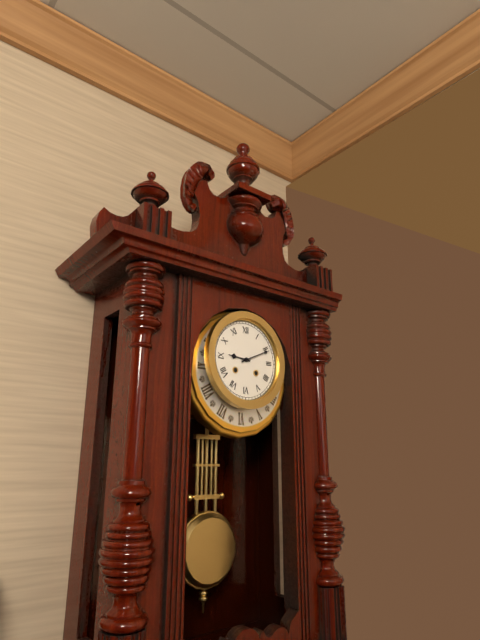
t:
9:11
